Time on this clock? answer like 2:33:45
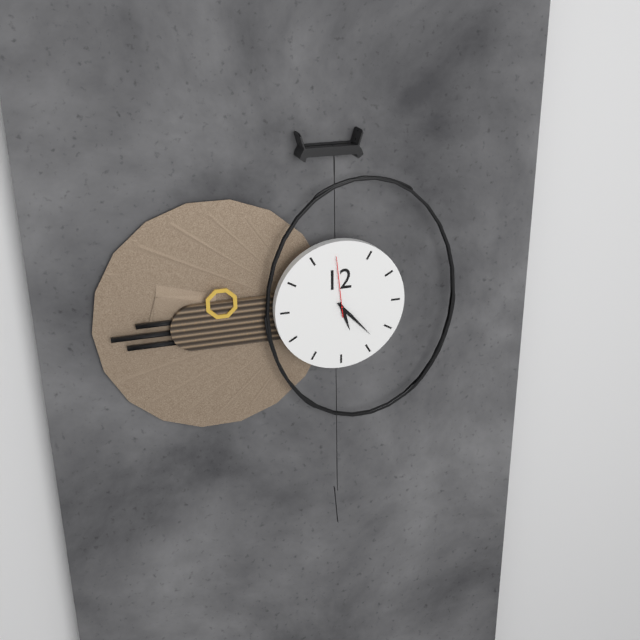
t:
5:23:59
